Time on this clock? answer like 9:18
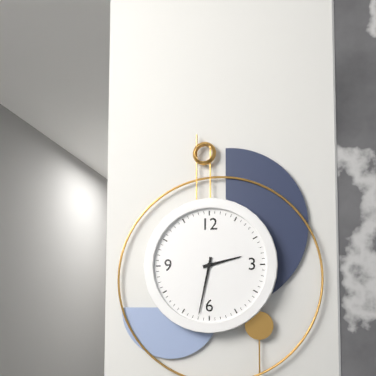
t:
2:32
